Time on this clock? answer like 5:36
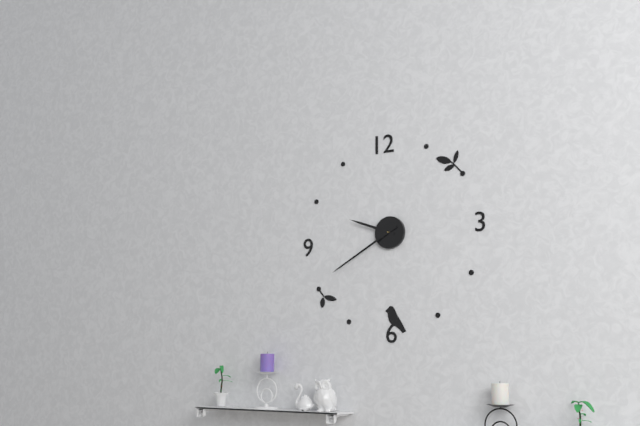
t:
9:40
